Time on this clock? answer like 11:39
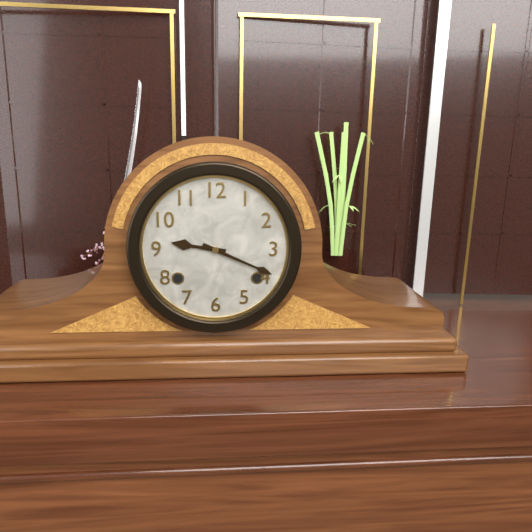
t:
9:19
